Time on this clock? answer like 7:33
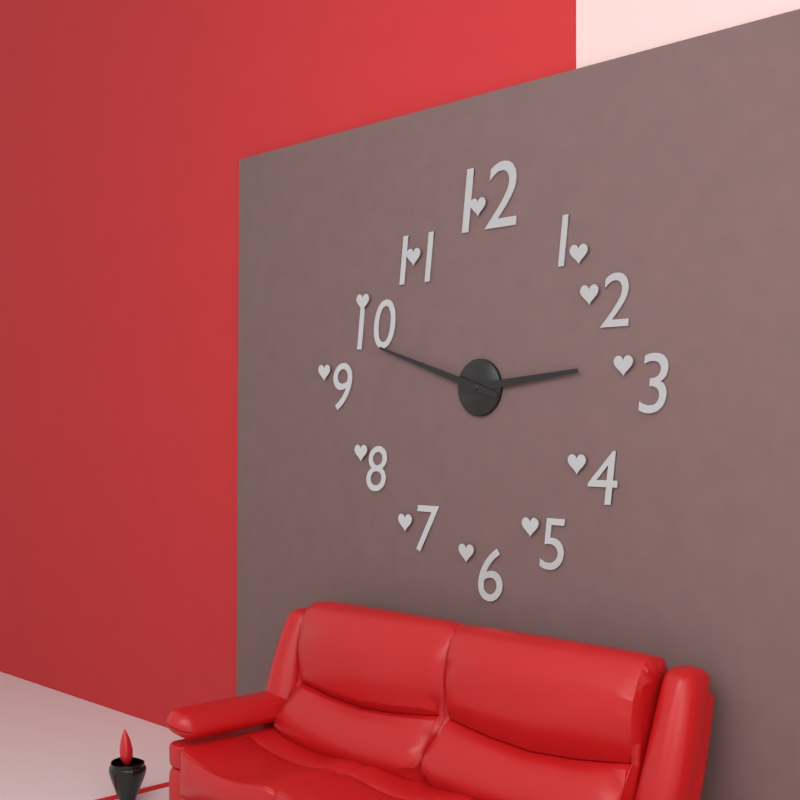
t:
2:48
